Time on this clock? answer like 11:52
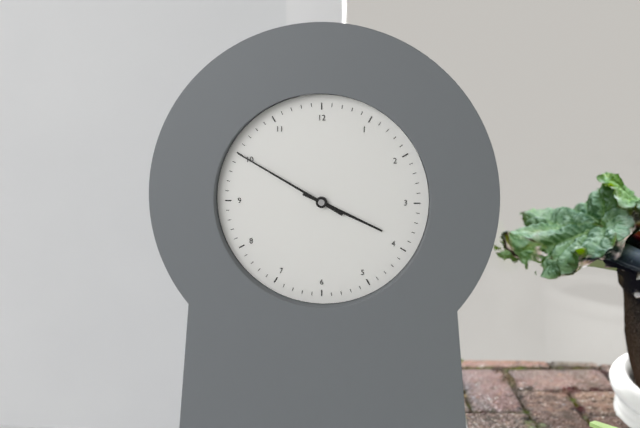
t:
3:50
